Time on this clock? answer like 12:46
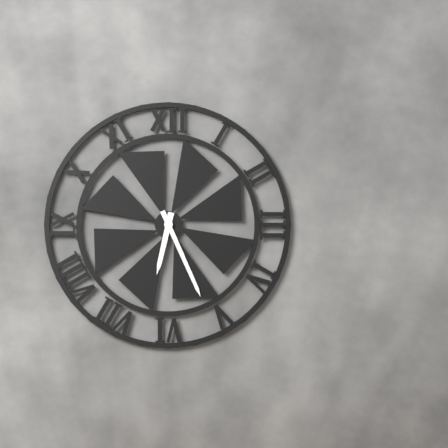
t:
6:26
